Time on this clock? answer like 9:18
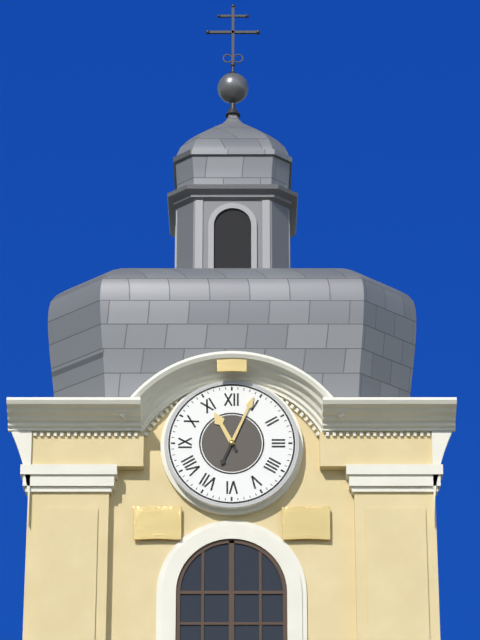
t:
11:04
